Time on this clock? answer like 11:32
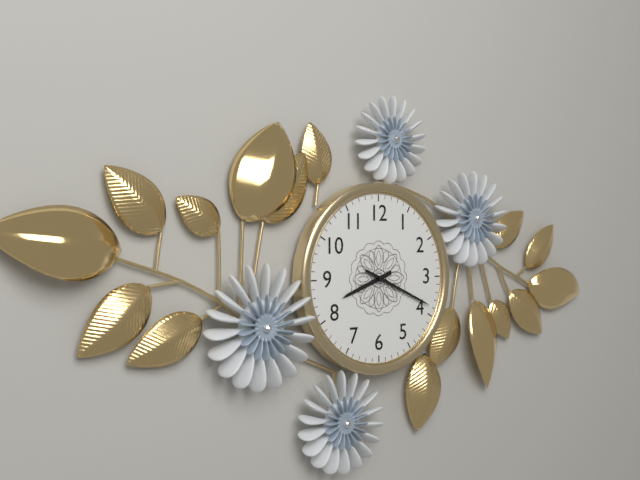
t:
8:19
